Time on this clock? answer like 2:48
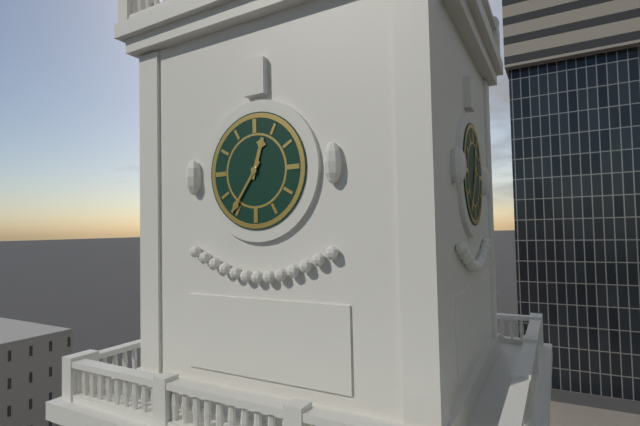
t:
12:36
